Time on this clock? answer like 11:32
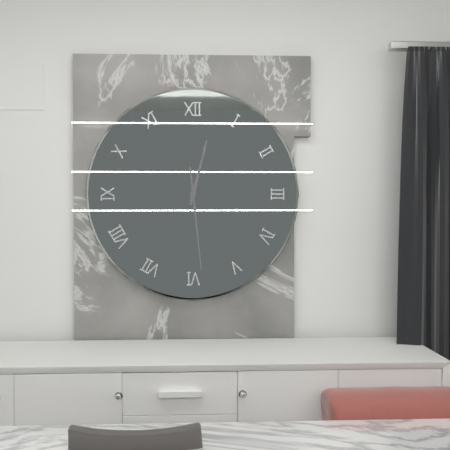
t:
12:29
